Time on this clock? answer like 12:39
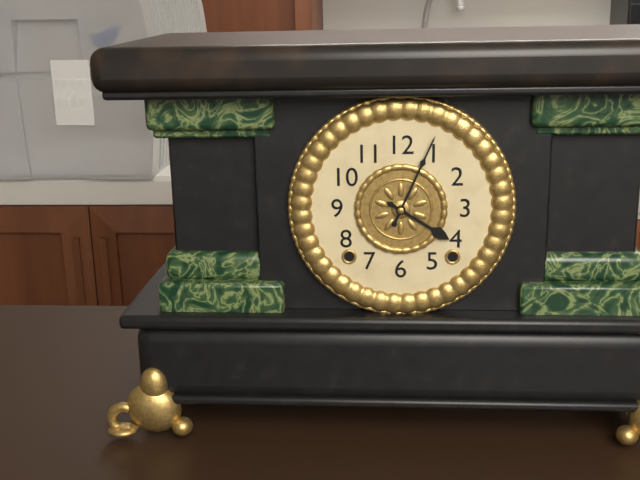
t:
4:04
